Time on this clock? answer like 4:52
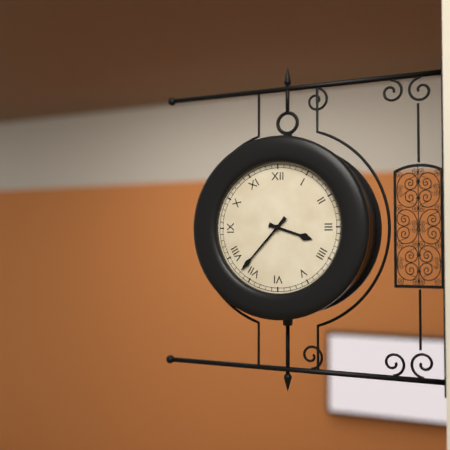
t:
3:37
